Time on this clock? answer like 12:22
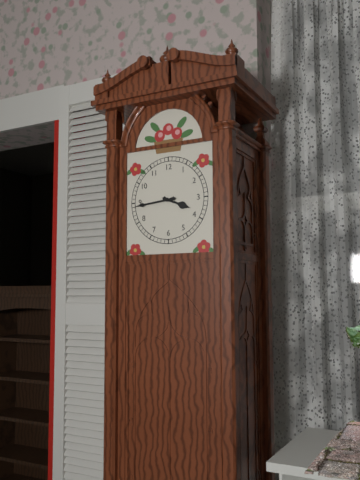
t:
3:44
